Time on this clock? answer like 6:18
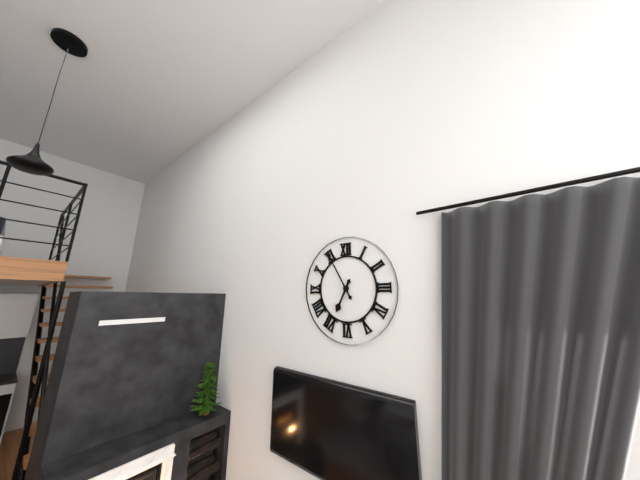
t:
6:55
